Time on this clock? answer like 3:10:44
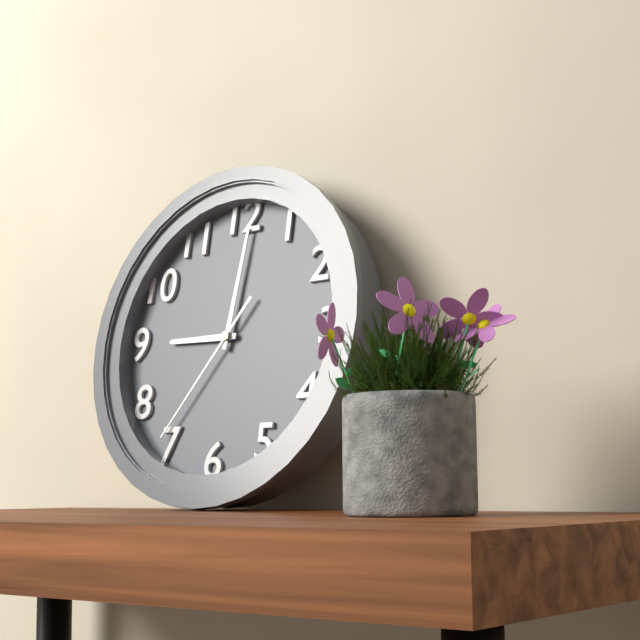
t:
9:01:36
